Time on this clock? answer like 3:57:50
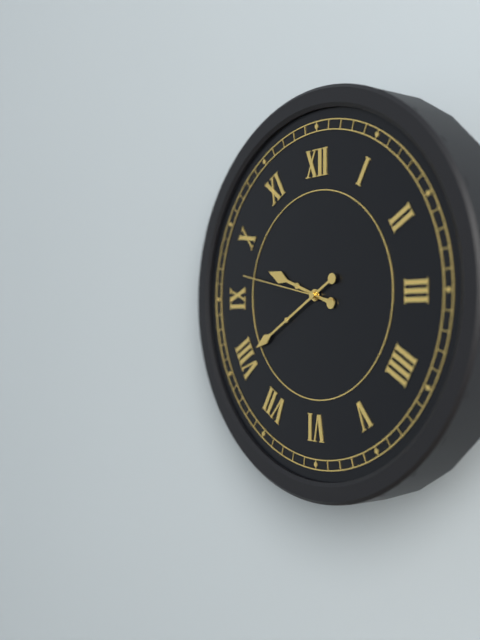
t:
9:40:47
